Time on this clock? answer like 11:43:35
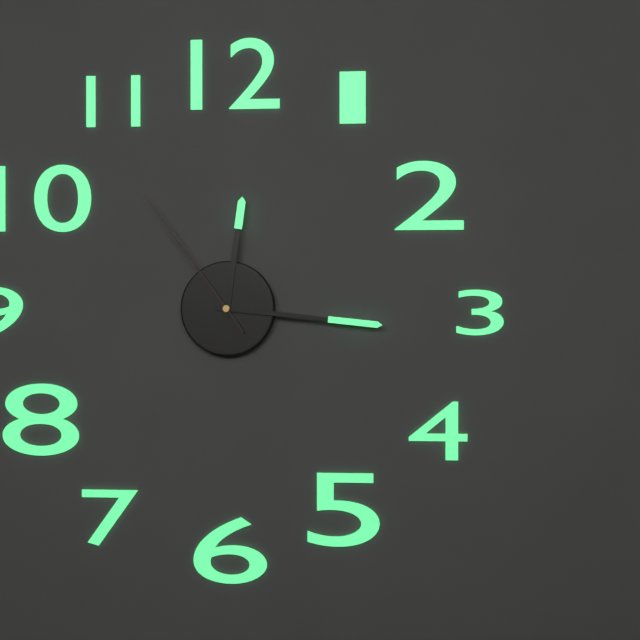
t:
12:16:54
